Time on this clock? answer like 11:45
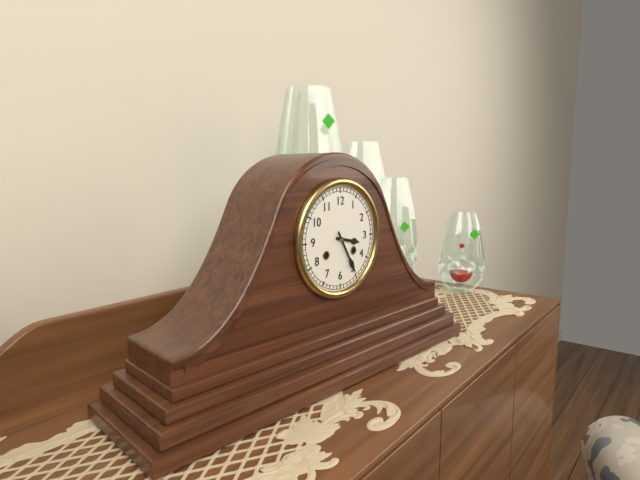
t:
3:25
